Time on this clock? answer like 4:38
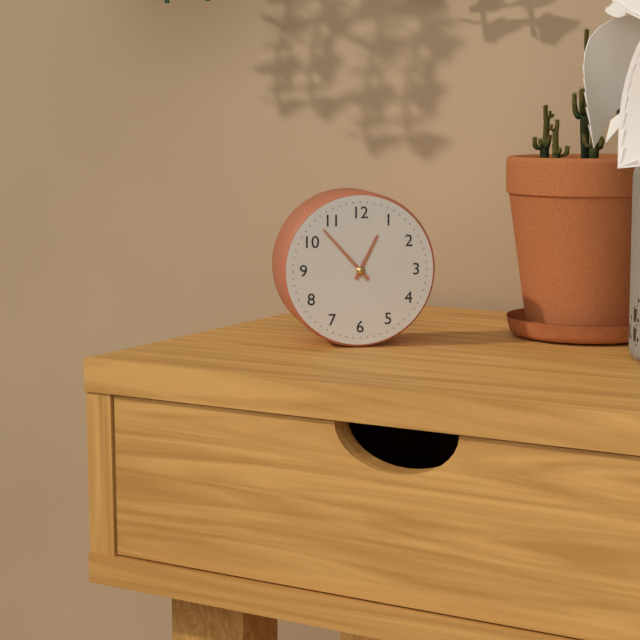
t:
12:53
